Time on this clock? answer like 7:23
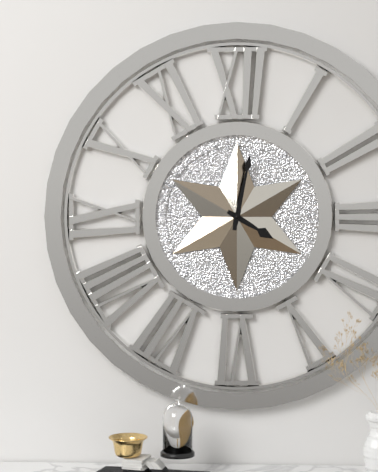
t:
4:02
